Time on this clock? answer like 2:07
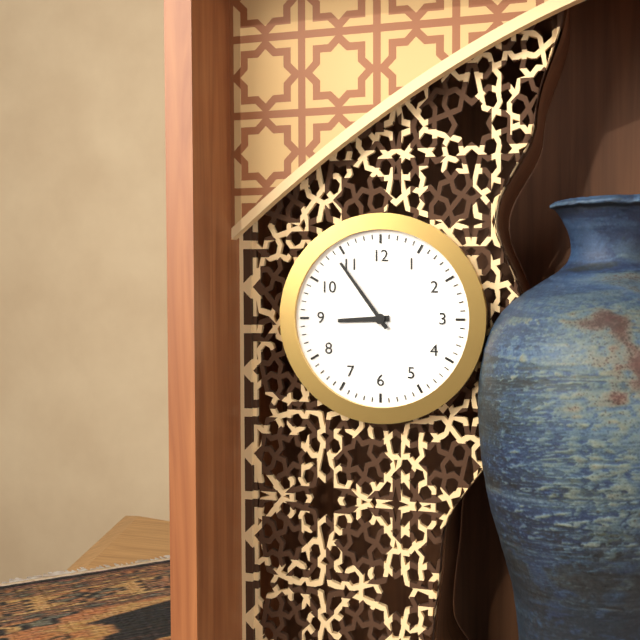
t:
8:54
